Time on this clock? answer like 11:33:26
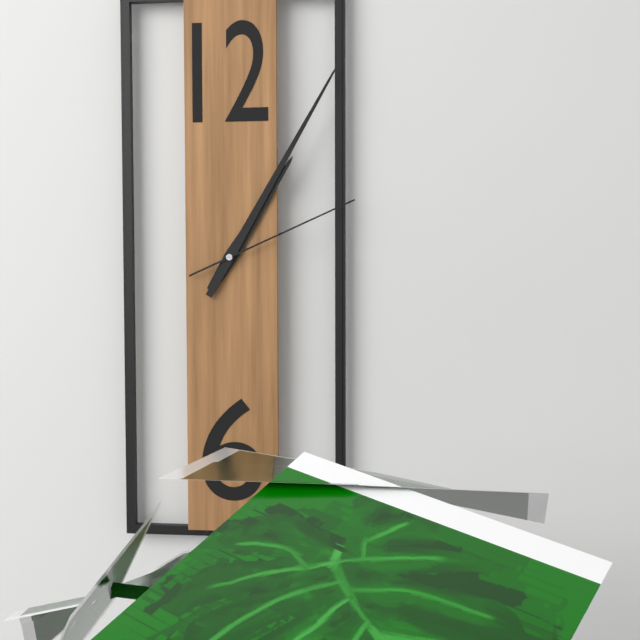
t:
1:05:11
